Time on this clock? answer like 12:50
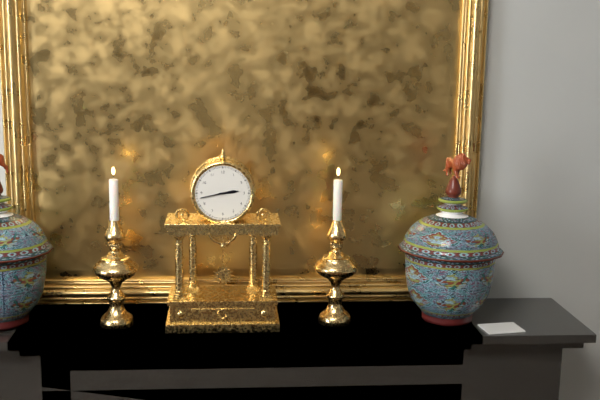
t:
2:43
